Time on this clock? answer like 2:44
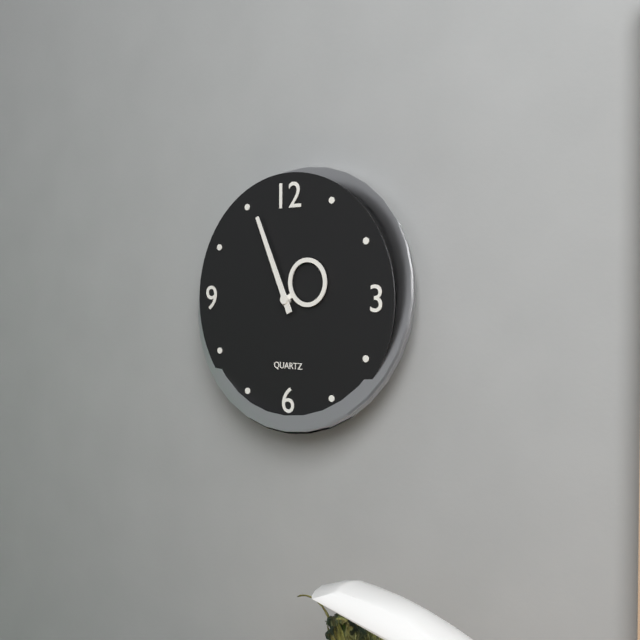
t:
1:56
